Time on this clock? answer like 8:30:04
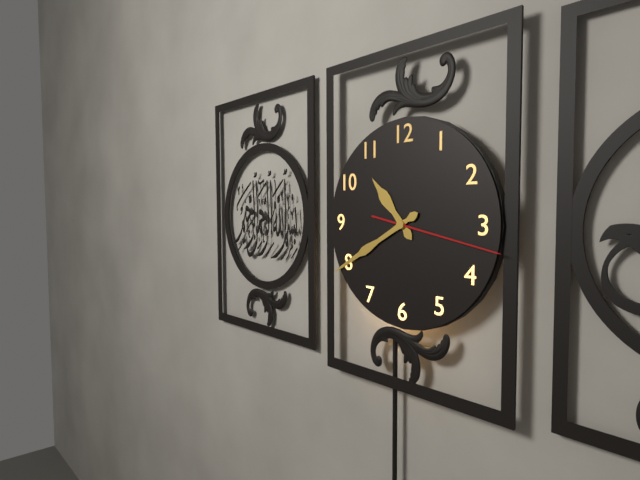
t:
10:40:17
